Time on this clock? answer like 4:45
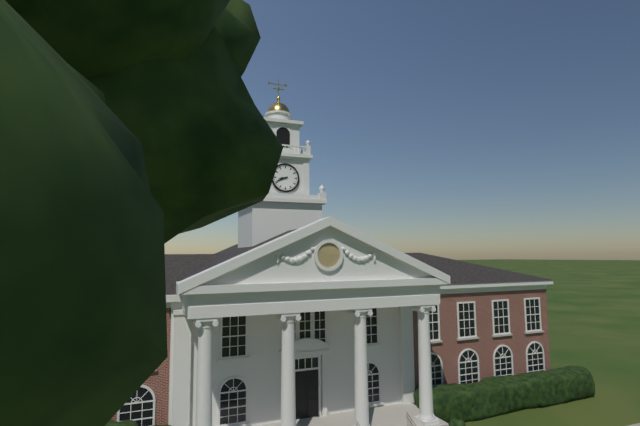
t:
8:41
